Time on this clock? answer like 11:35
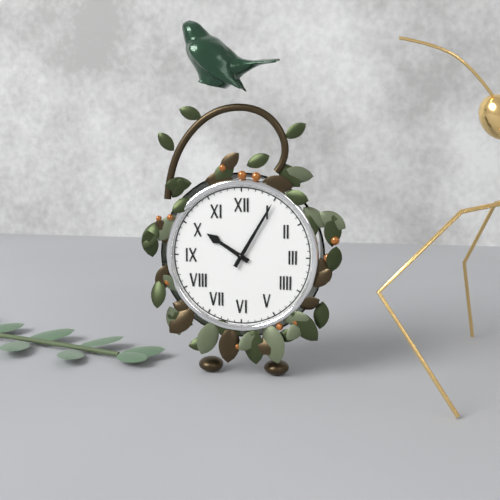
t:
10:05
